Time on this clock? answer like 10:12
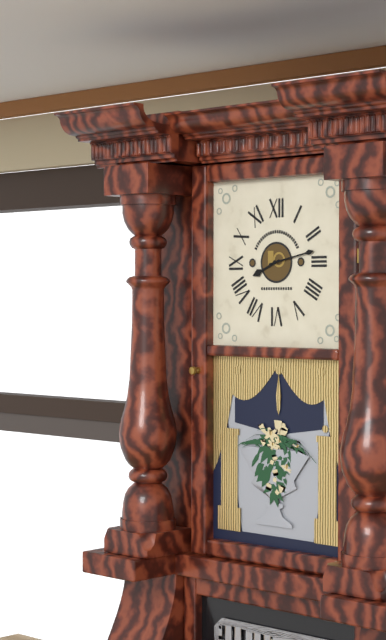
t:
8:13
